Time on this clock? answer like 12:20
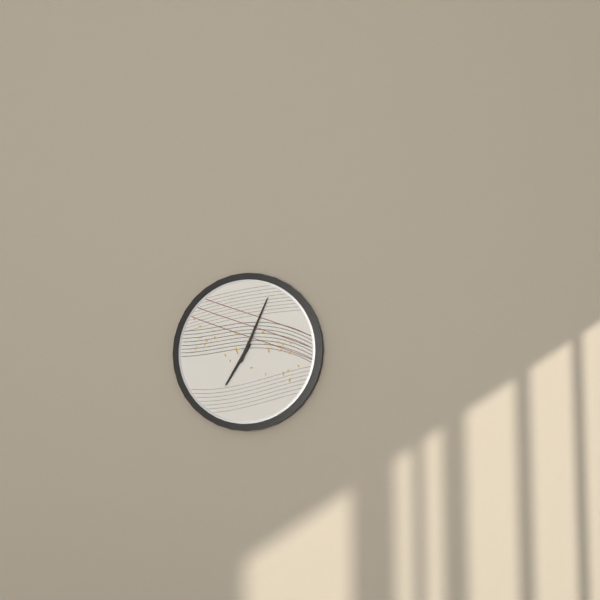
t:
7:04
